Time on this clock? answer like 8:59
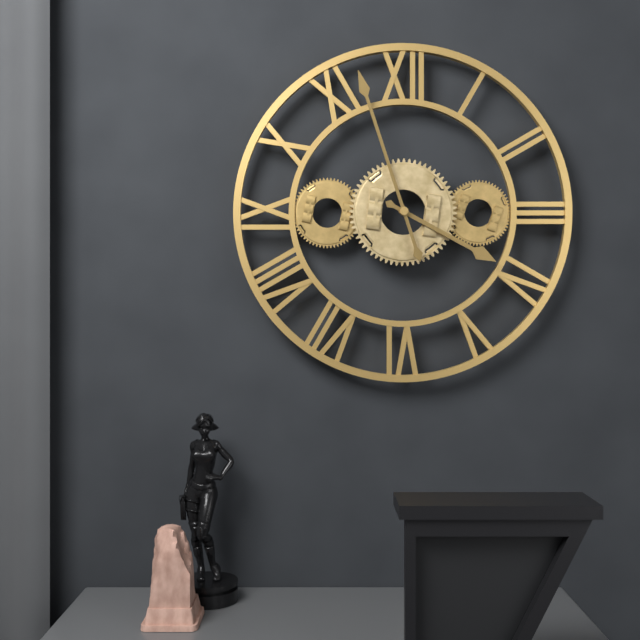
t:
3:57
